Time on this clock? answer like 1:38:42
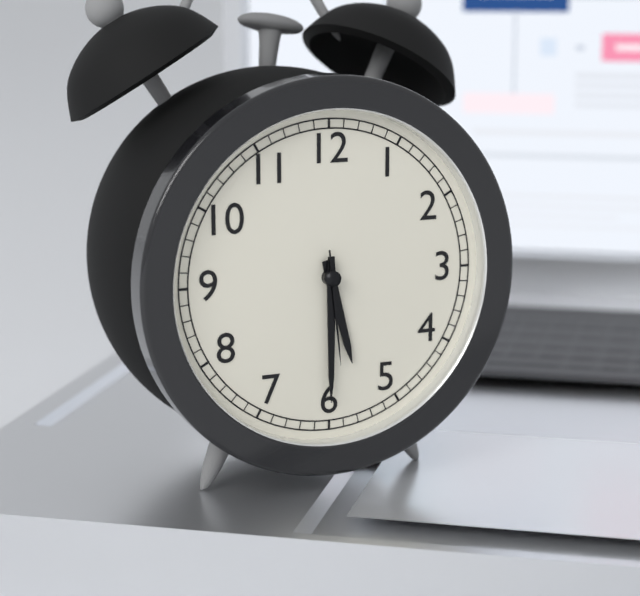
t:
5:30:29
